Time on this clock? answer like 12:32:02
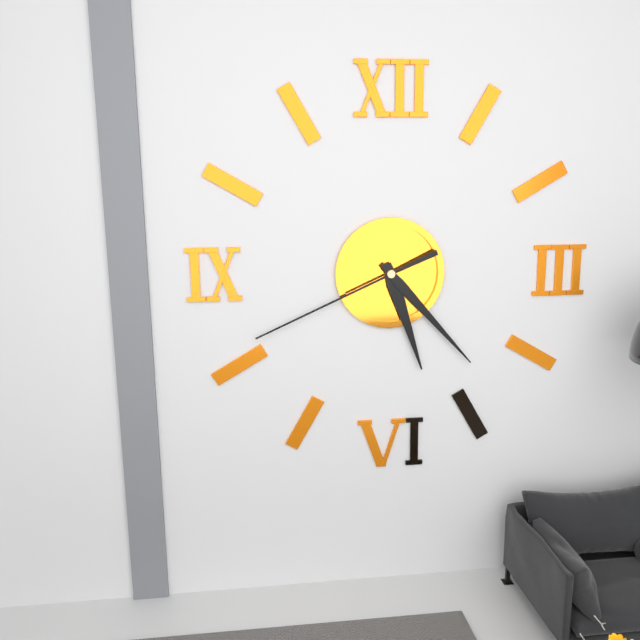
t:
5:23:41
